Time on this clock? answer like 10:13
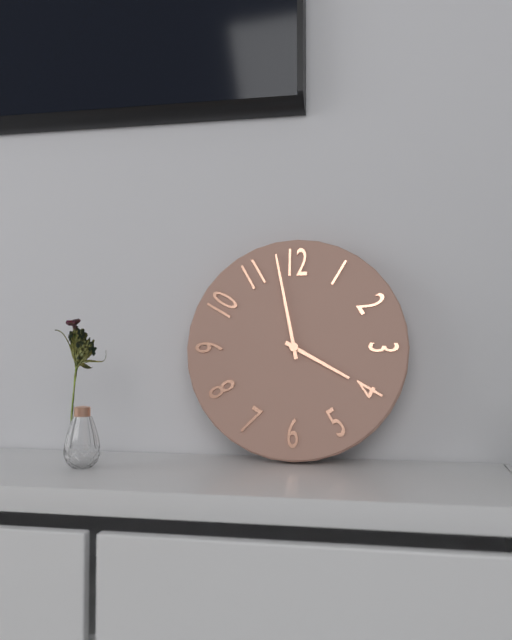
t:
3:58
